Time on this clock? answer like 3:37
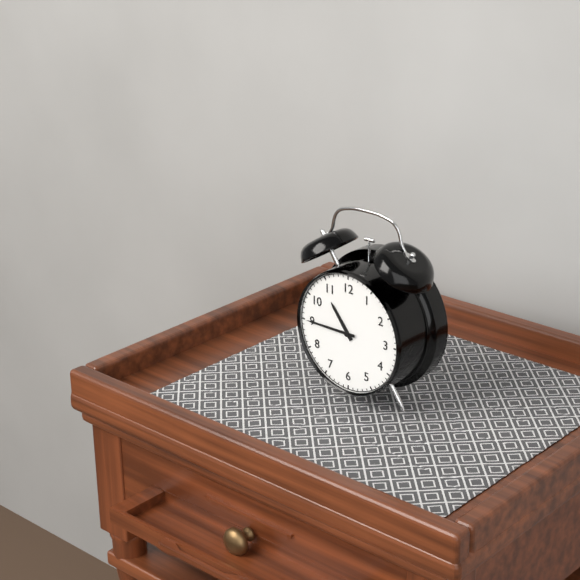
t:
10:45
